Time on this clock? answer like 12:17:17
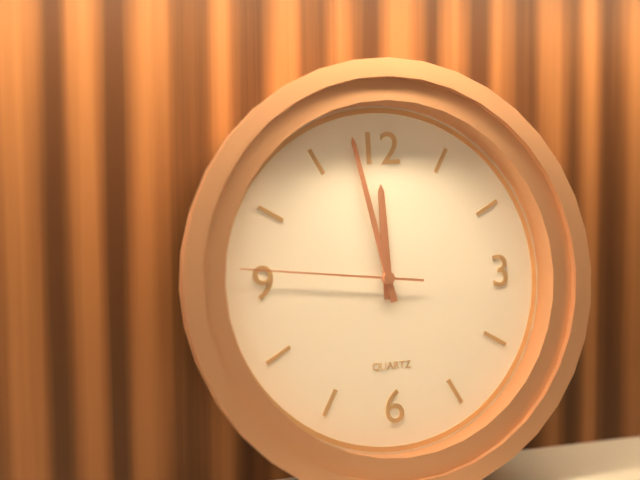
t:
11:58:46
